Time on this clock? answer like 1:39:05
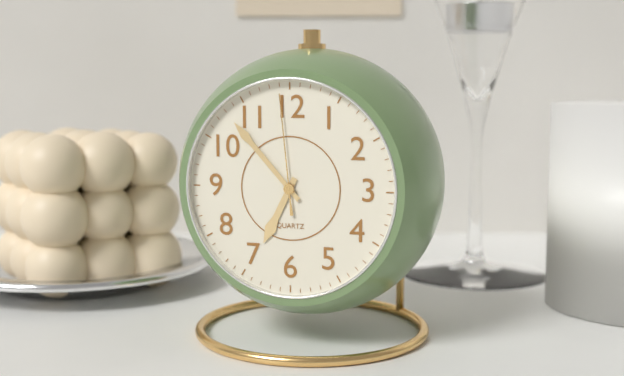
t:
6:53:59
